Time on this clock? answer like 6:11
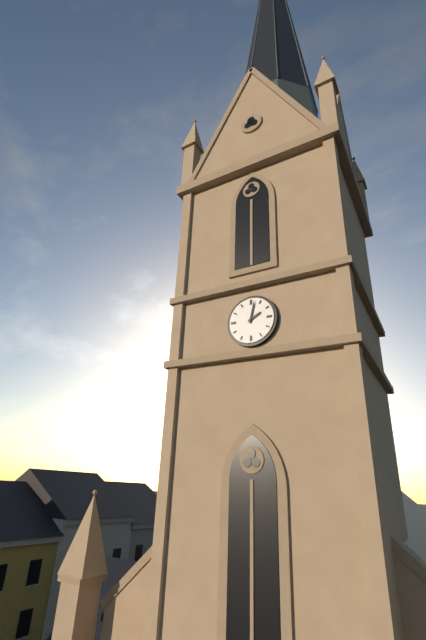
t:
2:02
